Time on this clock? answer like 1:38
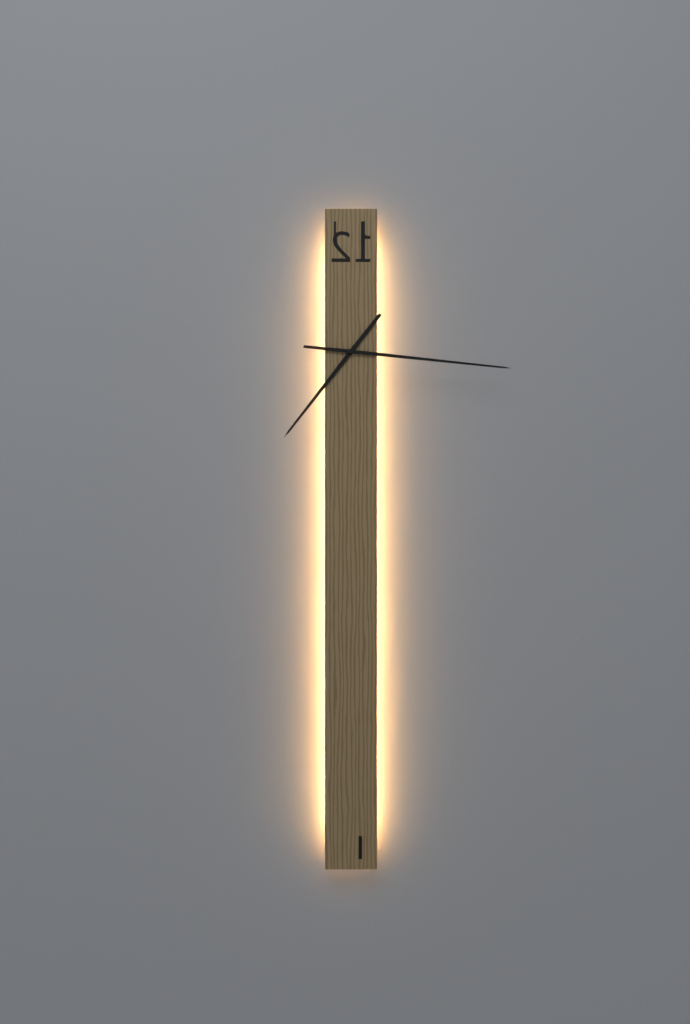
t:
7:16
